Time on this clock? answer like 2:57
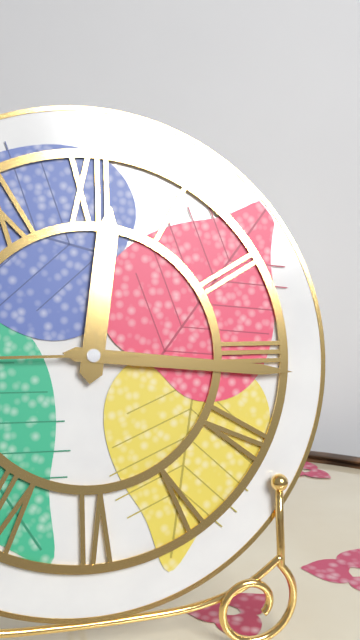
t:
12:16
